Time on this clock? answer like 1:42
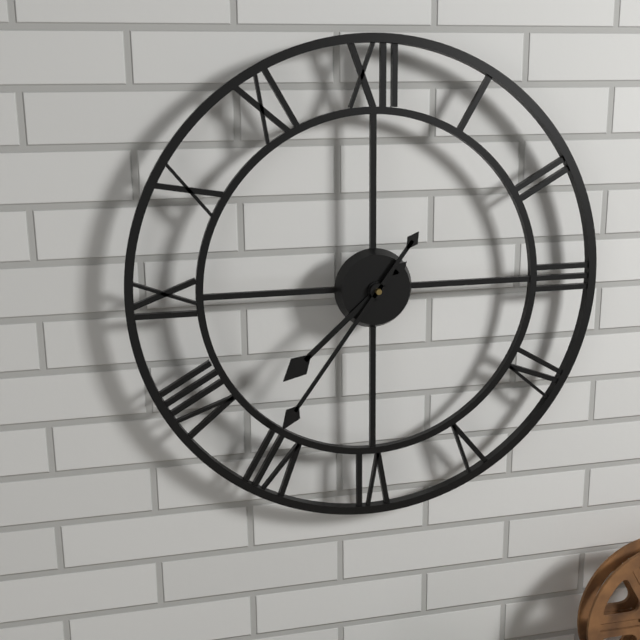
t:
7:36
